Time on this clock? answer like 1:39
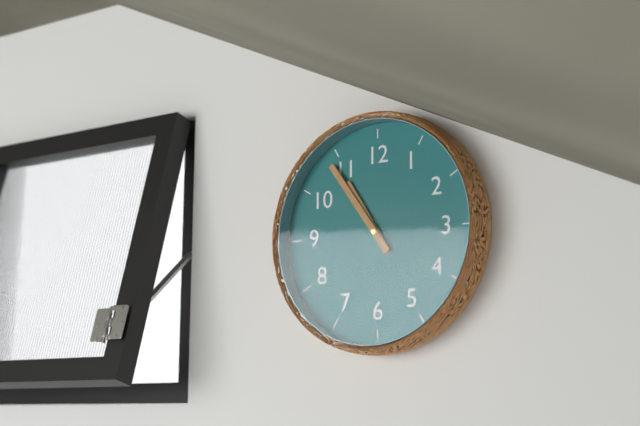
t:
10:54
